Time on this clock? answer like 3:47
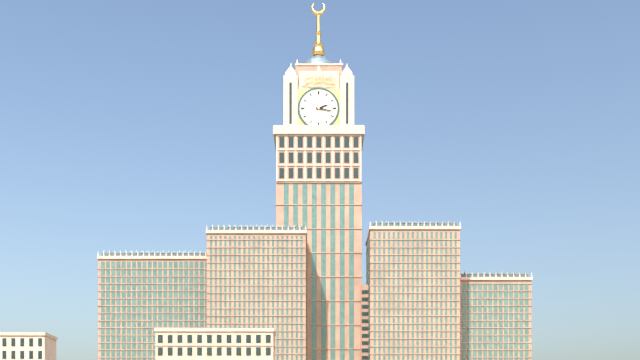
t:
2:17
